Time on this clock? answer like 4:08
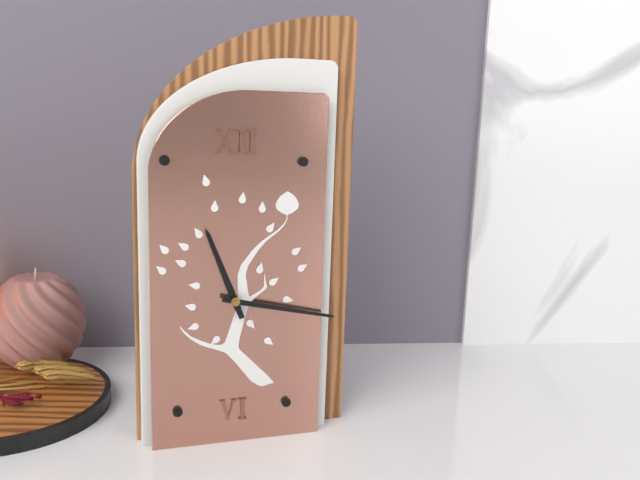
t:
11:17
